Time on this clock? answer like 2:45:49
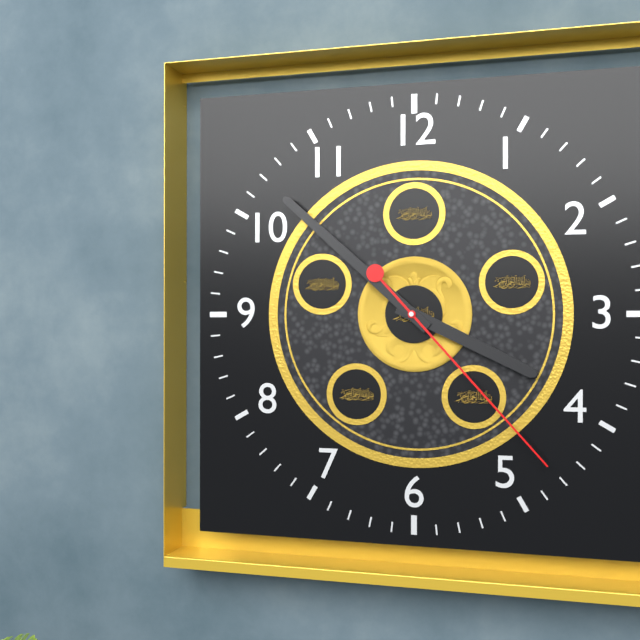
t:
3:52:23
